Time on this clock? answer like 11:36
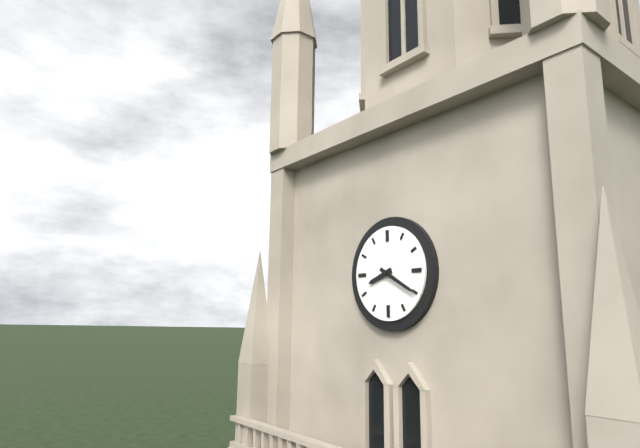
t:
8:20
